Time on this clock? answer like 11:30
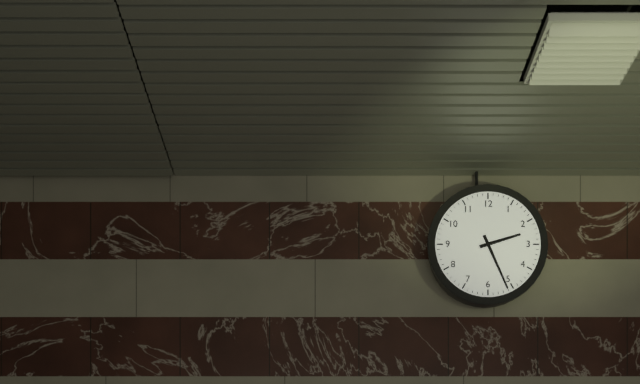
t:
2:26
